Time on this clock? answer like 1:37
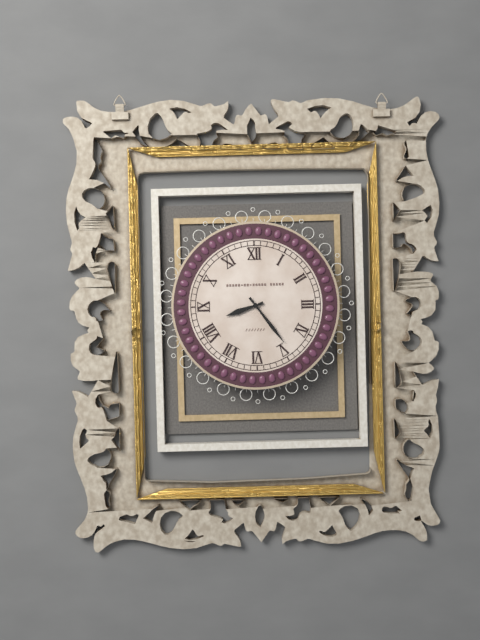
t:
8:24
